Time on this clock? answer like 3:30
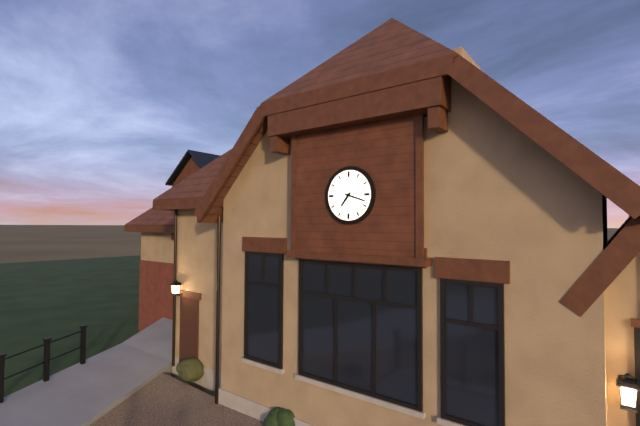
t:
7:18
